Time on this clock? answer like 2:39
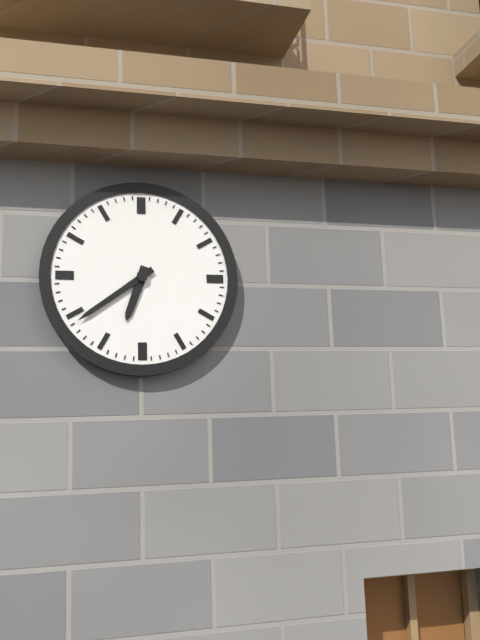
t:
6:39
